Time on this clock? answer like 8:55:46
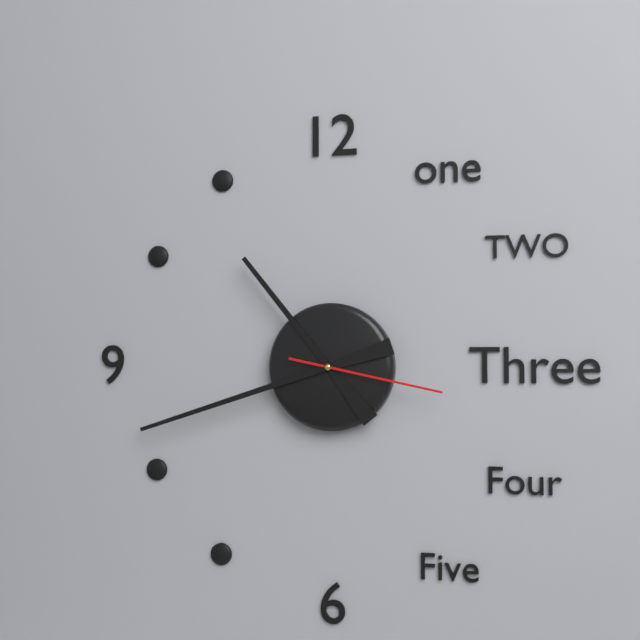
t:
10:42:17
